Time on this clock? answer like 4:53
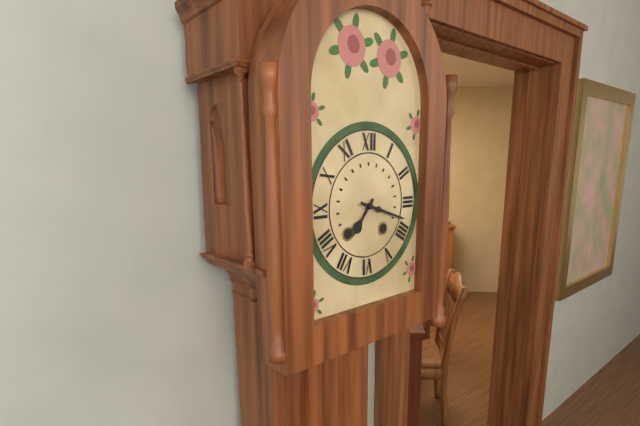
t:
7:18
